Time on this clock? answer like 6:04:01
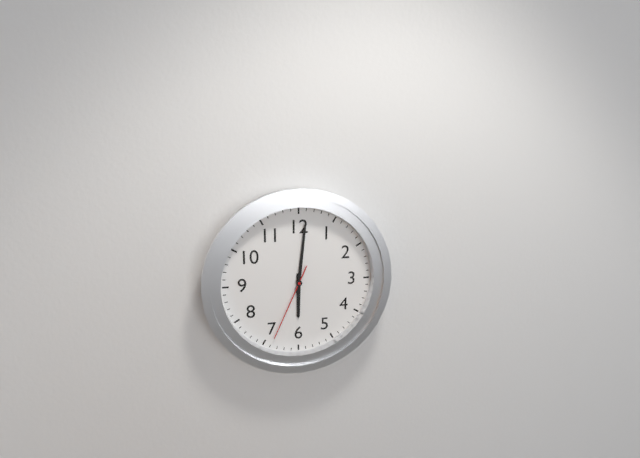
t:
6:01:34
